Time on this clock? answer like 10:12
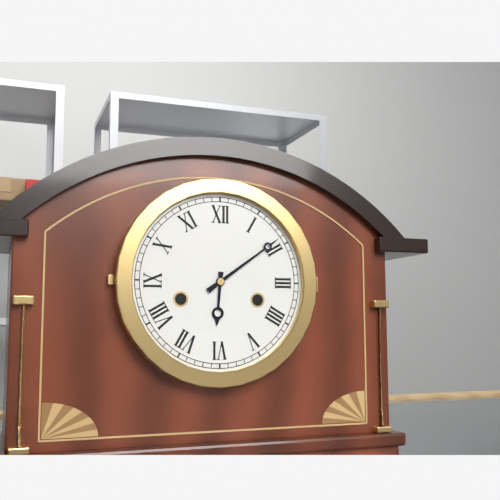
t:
6:09
